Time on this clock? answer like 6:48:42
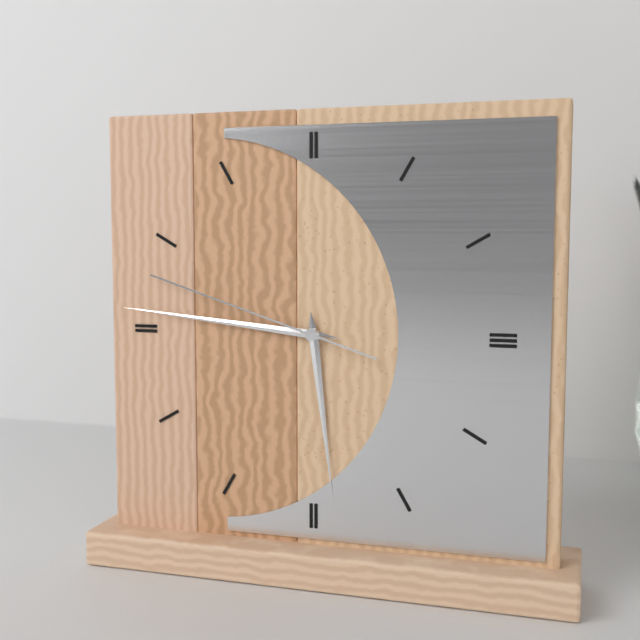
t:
5:46:48
